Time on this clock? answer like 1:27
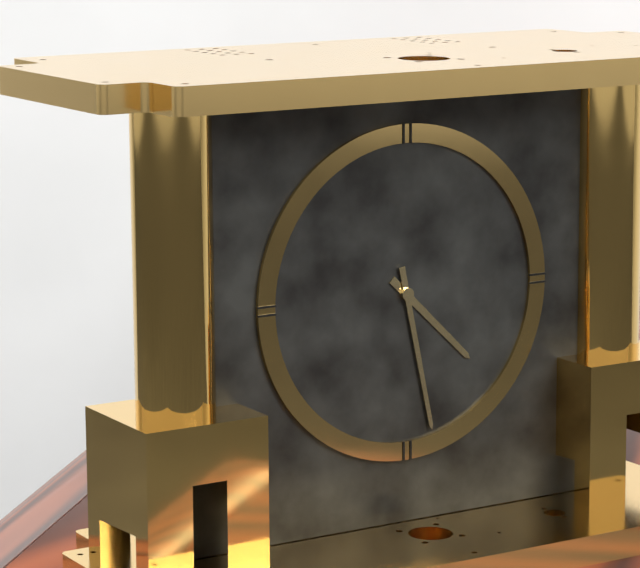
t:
4:28
